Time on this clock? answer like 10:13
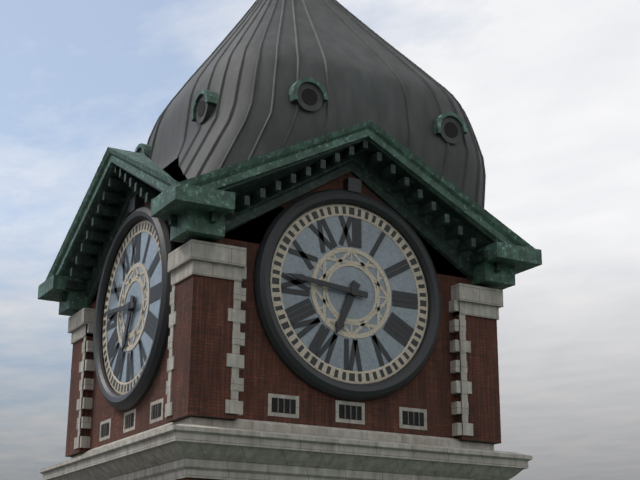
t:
6:46
